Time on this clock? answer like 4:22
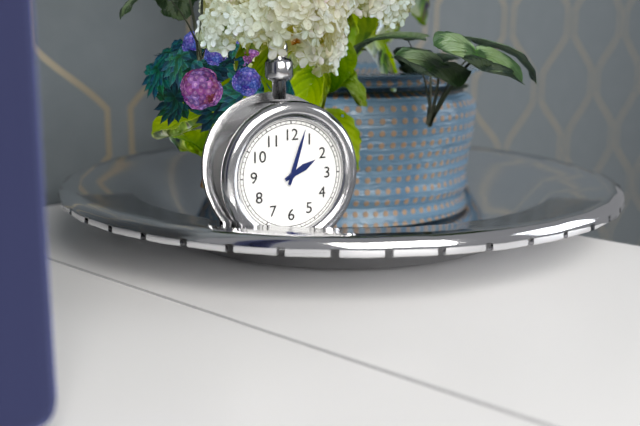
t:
2:03
